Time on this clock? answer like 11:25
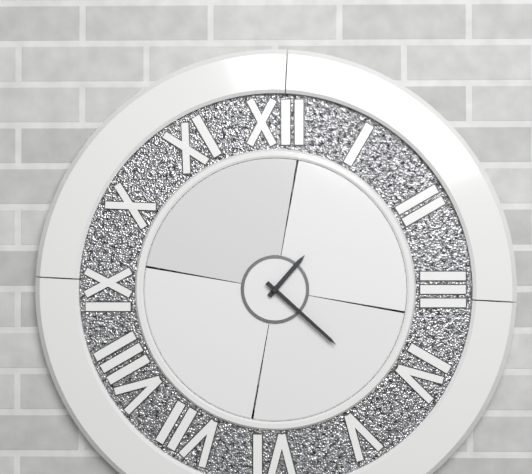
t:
1:22
